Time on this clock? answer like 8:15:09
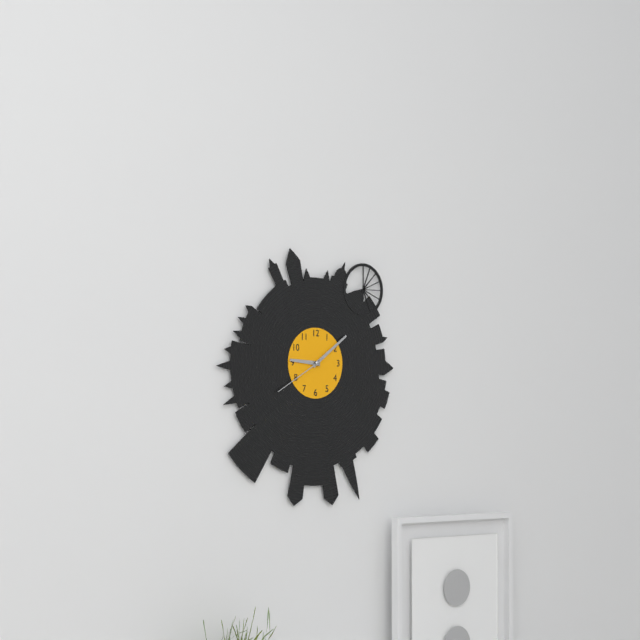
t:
9:09:40
